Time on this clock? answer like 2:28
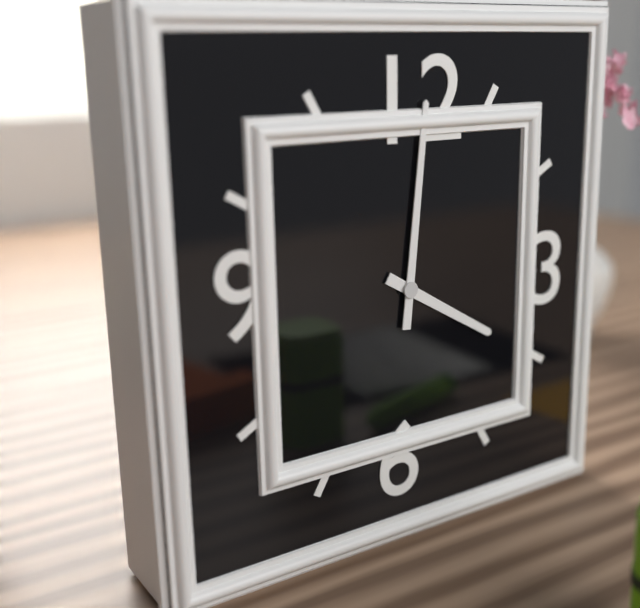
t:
4:01
